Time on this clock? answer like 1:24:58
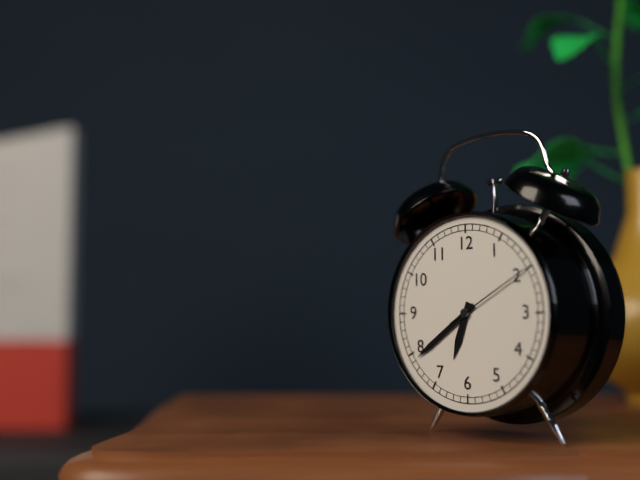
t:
6:39:10
